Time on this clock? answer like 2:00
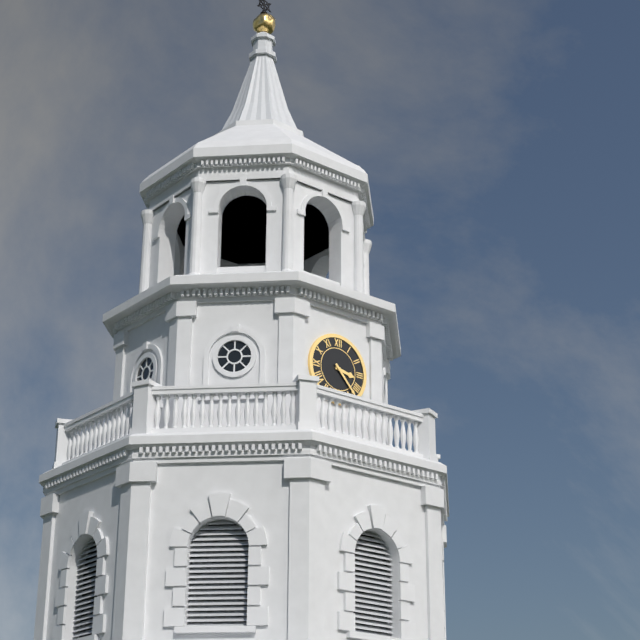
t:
3:23
